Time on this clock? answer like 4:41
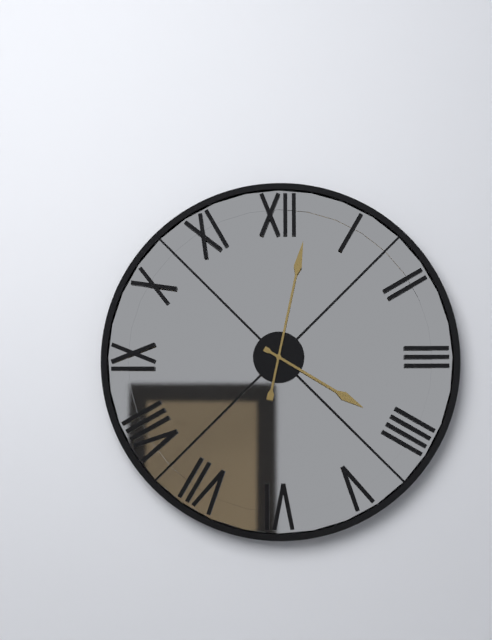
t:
4:02
